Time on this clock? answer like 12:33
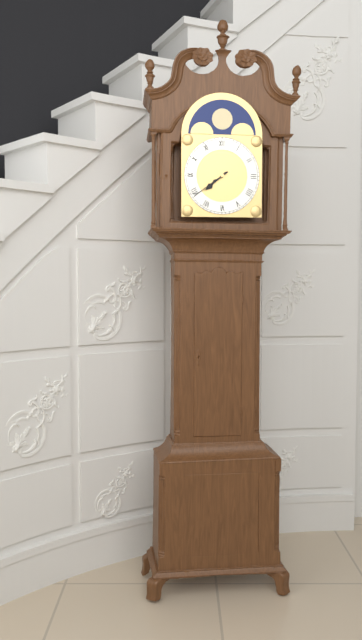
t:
7:39
